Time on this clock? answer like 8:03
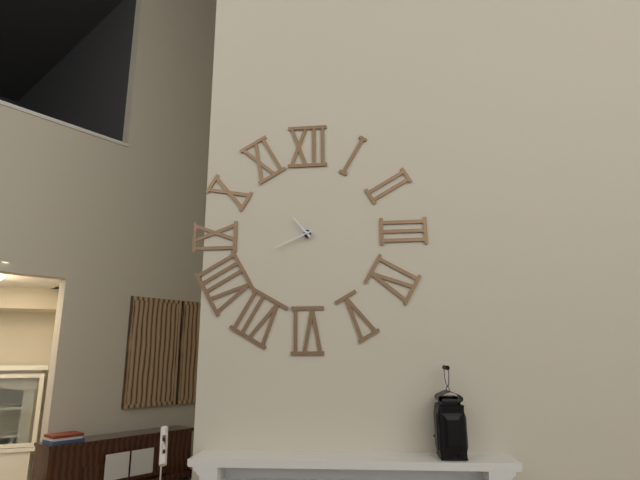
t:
10:41
